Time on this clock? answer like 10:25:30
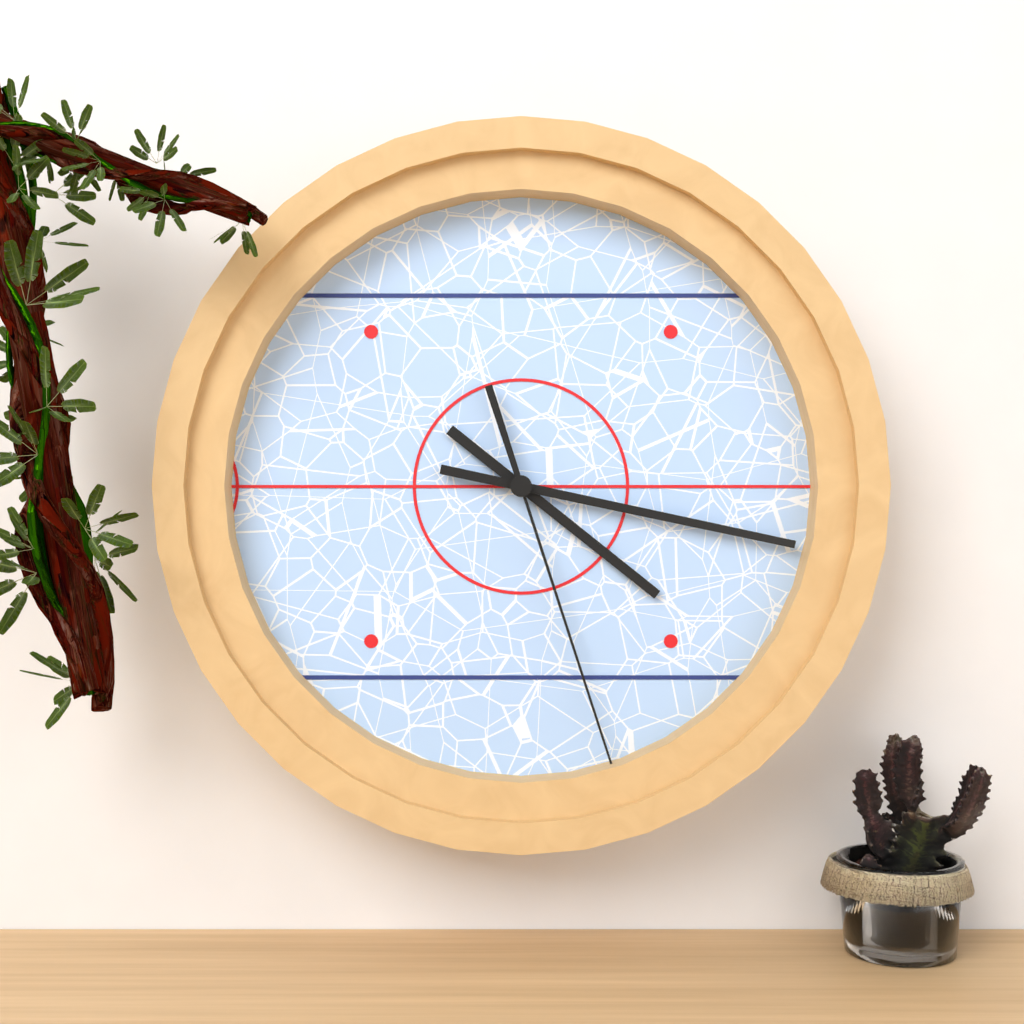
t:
4:17:27
